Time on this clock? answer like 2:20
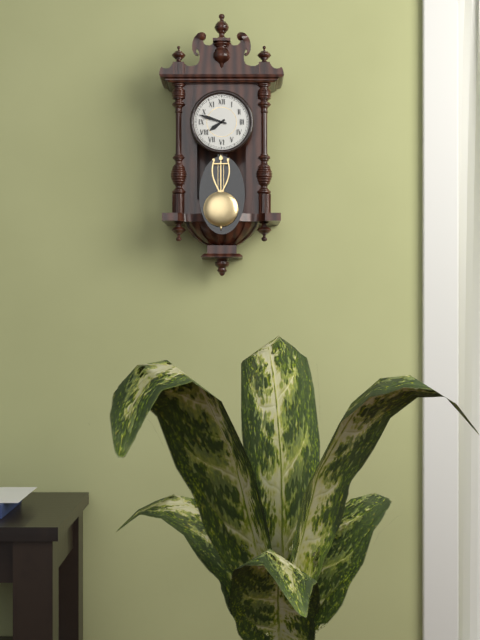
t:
7:48
